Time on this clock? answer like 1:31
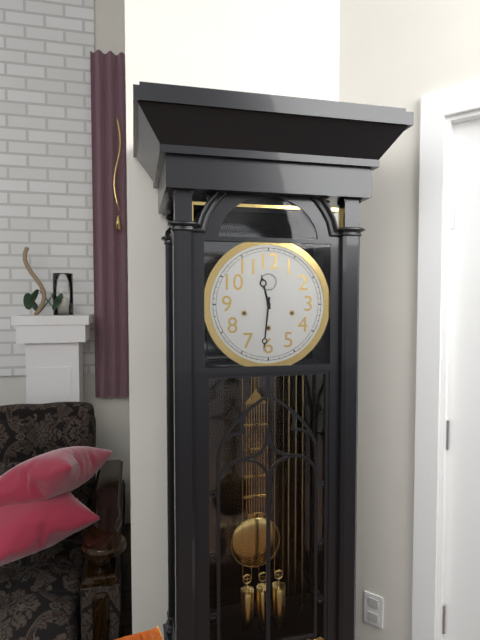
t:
11:31
